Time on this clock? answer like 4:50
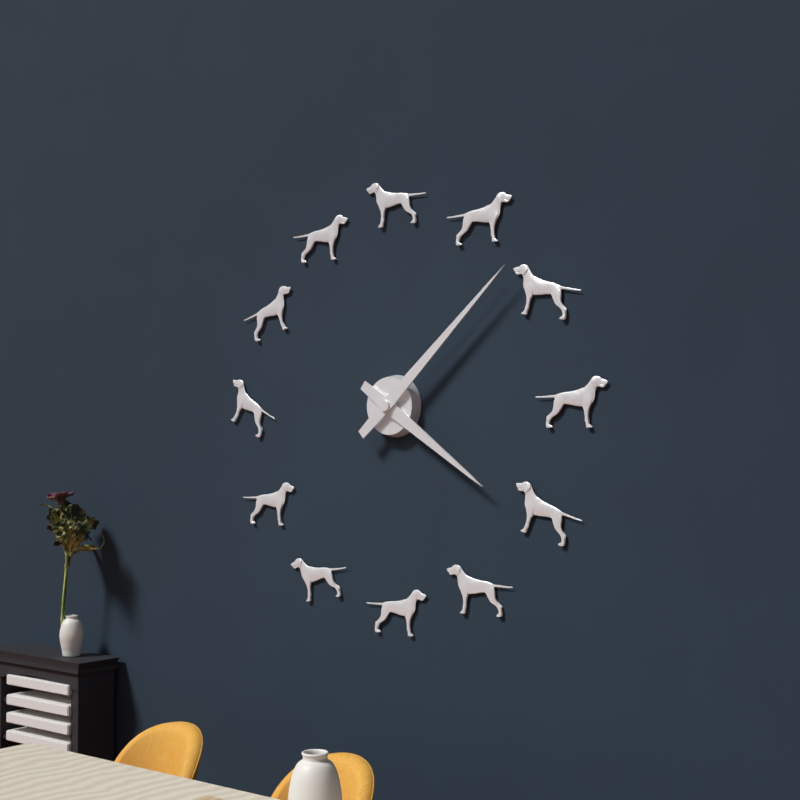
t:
4:08
